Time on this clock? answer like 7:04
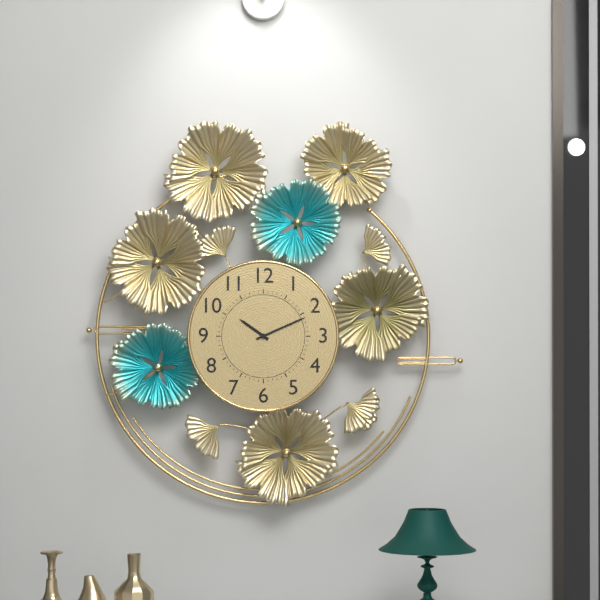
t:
10:11
